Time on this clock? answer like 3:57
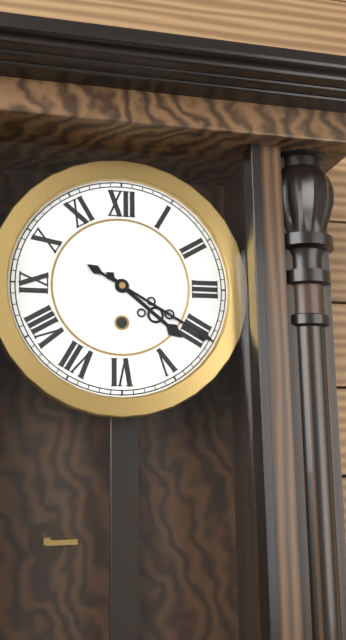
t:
4:20
